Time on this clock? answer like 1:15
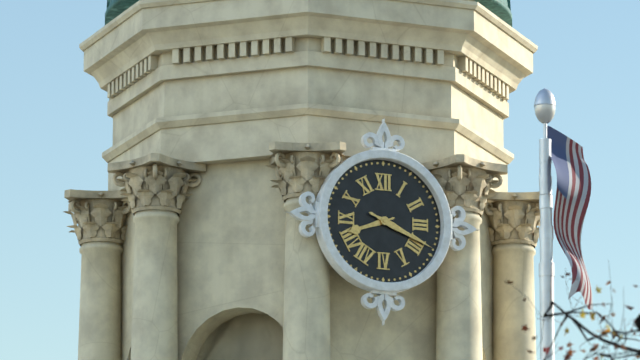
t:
8:19
